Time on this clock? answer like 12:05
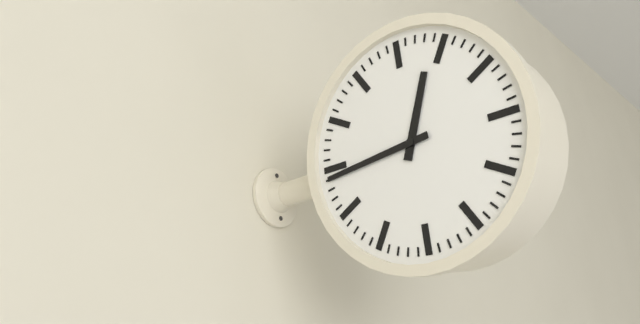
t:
12:44
